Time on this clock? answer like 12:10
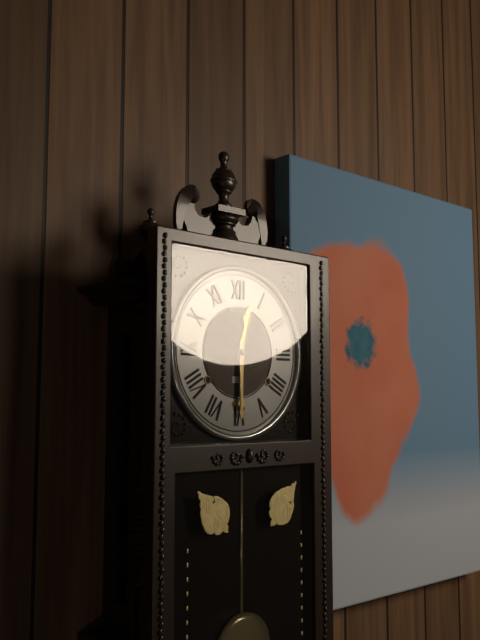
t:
12:30
